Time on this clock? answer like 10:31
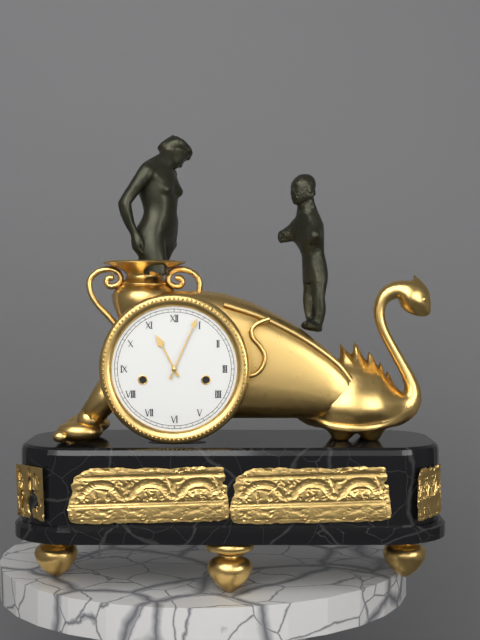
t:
11:04
